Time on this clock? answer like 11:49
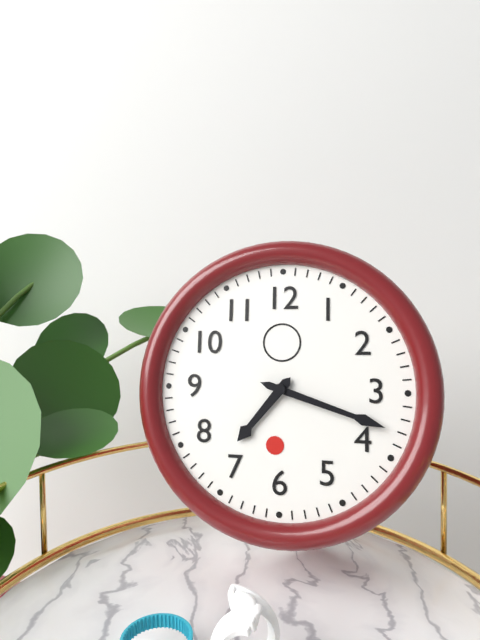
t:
7:18
